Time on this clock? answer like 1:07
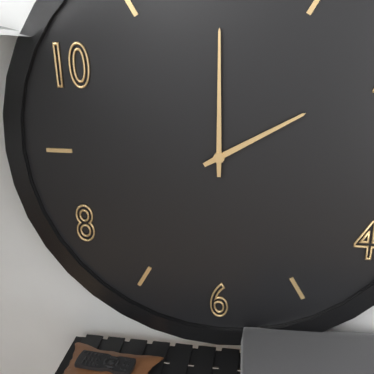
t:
2:00
